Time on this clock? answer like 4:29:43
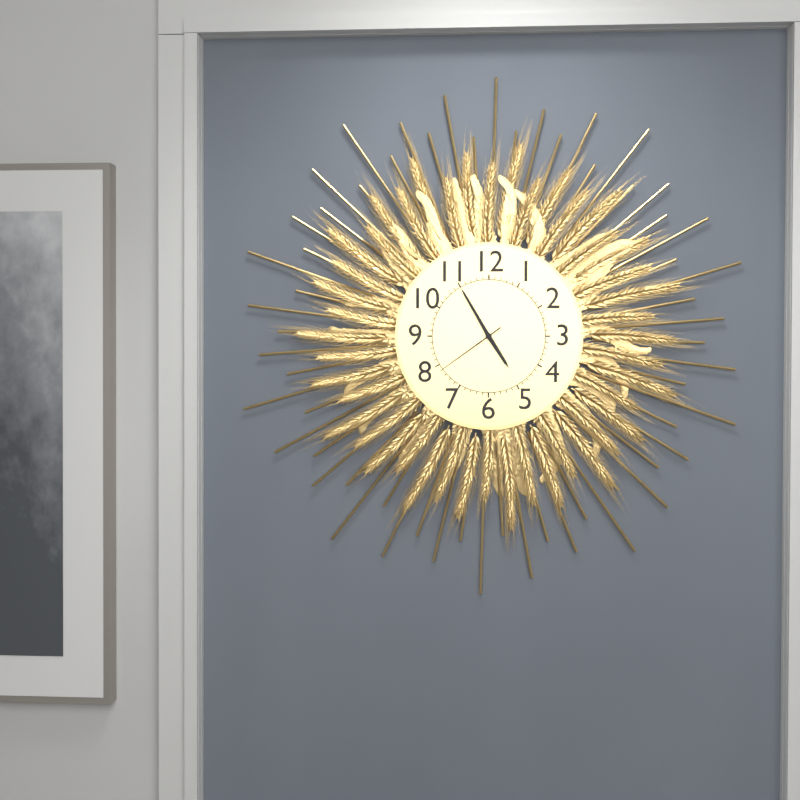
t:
4:55:39
